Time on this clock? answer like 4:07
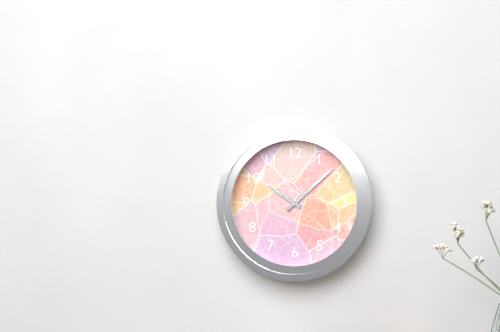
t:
10:08
